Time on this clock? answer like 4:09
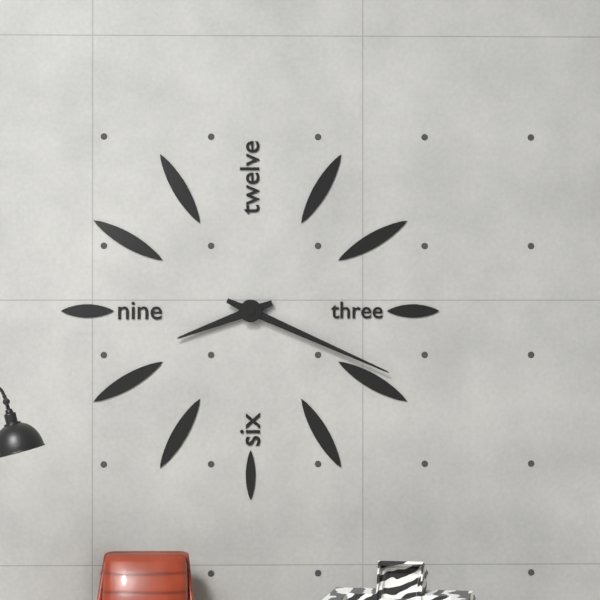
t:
8:19
